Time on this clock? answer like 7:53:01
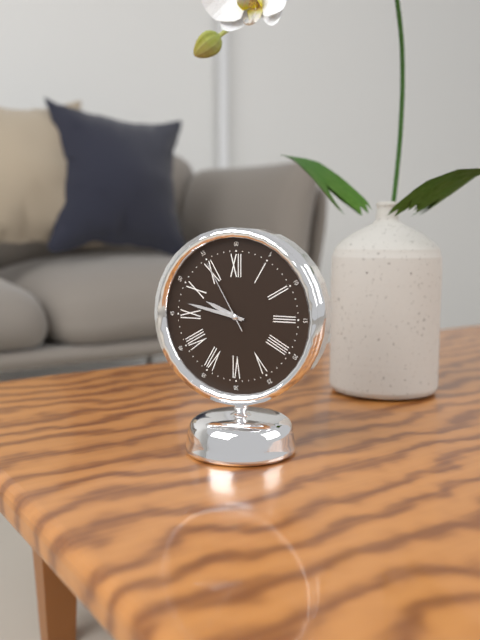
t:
9:47:55
